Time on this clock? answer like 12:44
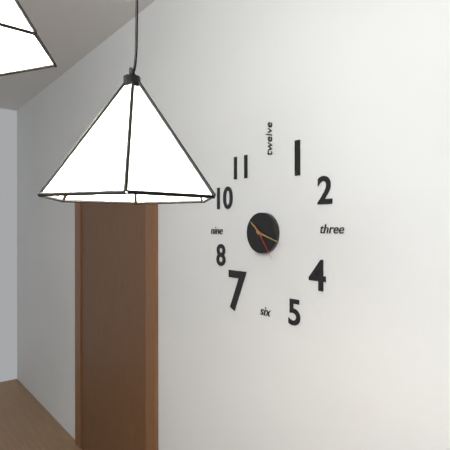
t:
10:18
